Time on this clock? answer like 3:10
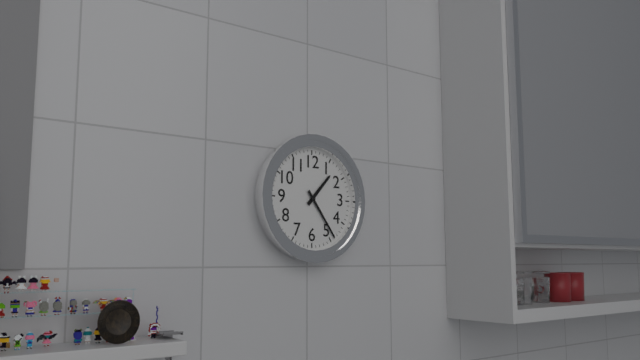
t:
1:24
